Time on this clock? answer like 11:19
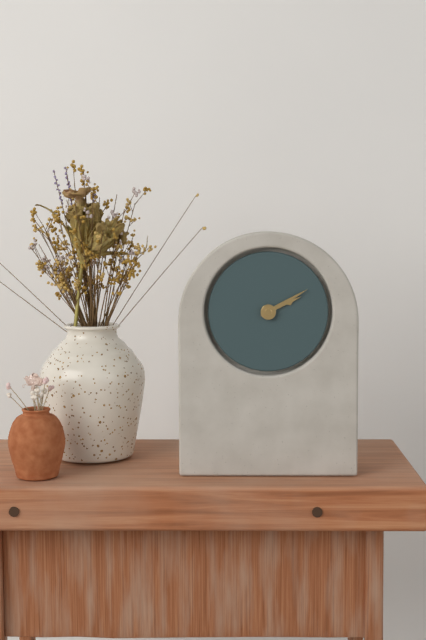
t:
2:10
